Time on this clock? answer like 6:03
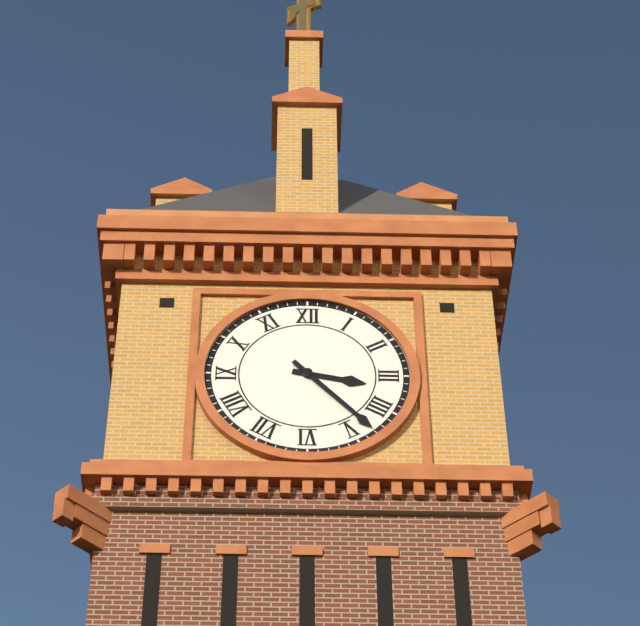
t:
3:23
